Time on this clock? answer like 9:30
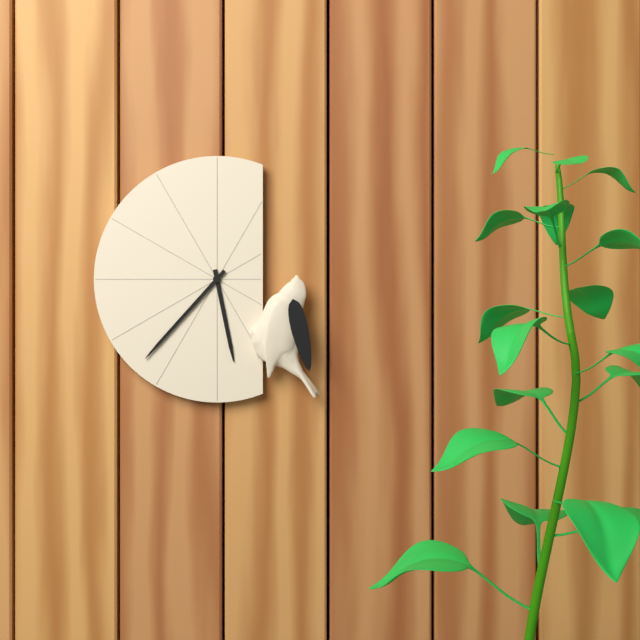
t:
5:37
